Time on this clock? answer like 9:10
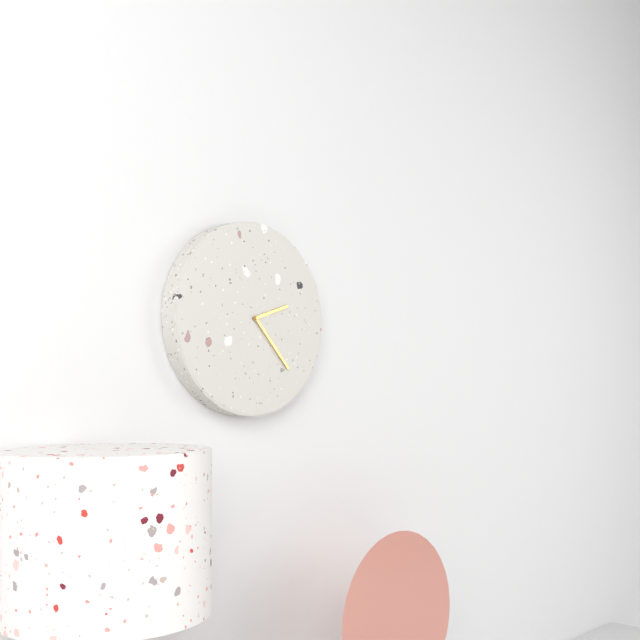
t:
2:23
